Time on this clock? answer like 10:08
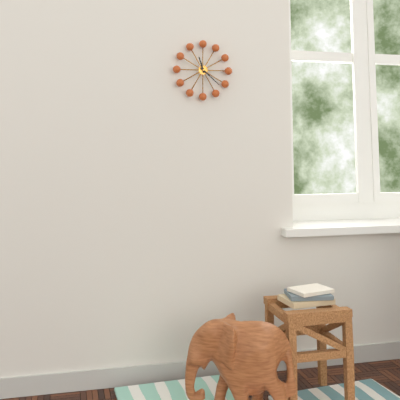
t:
11:22
